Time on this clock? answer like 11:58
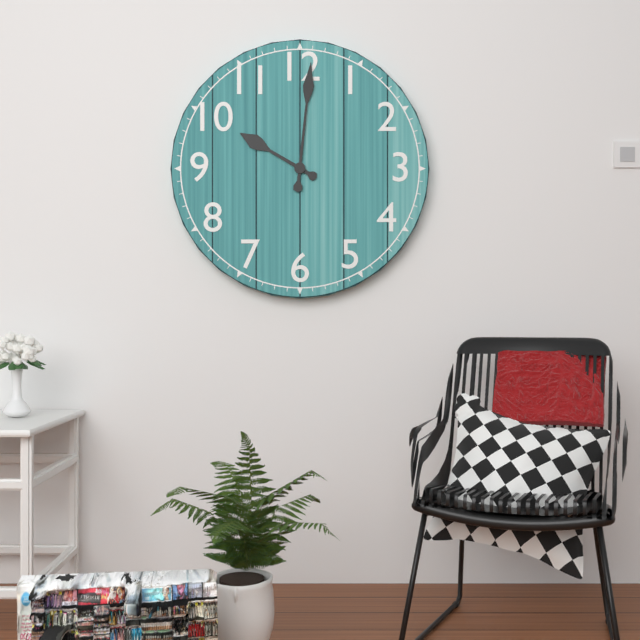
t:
10:01
